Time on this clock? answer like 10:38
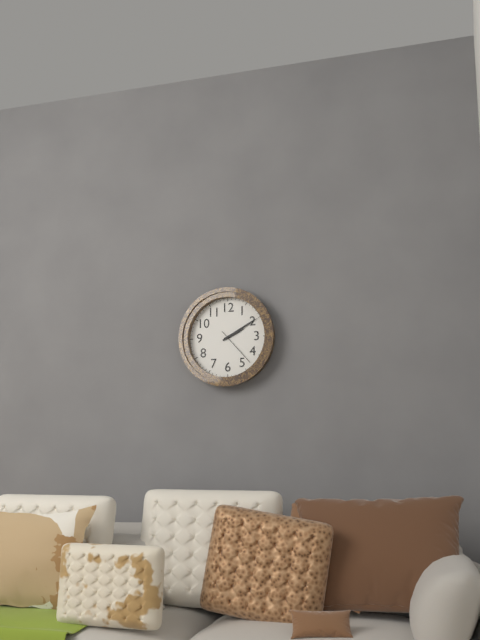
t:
2:10
